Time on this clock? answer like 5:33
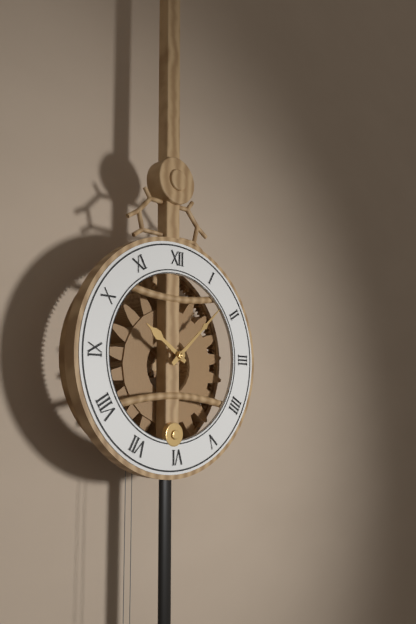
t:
10:08
